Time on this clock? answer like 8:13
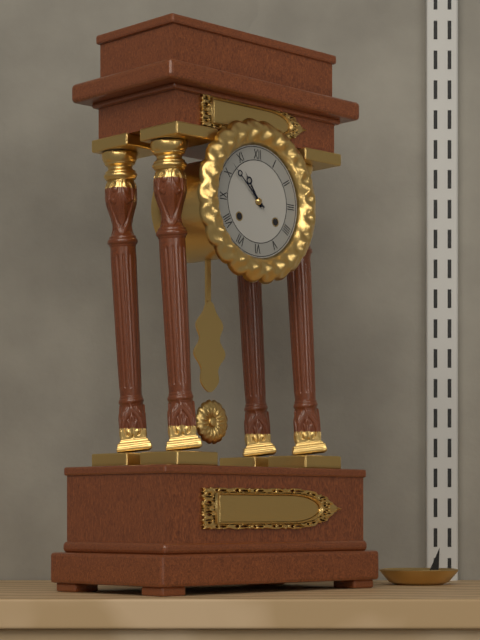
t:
10:52
